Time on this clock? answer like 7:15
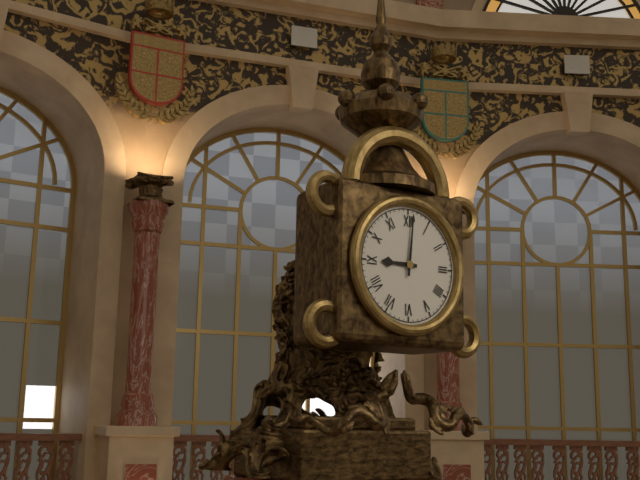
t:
9:01
